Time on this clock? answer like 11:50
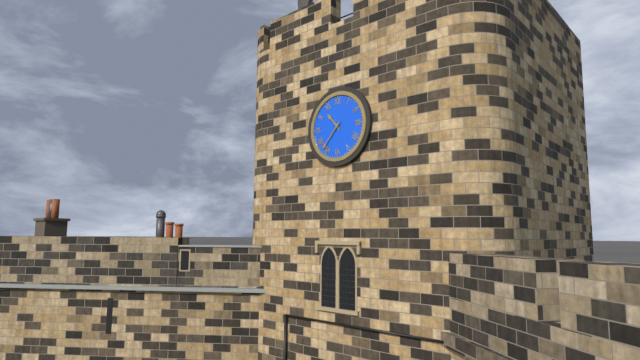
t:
10:37
